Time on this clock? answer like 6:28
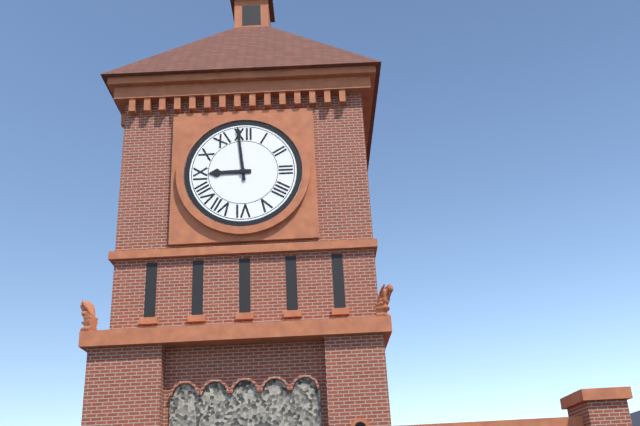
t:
8:59
